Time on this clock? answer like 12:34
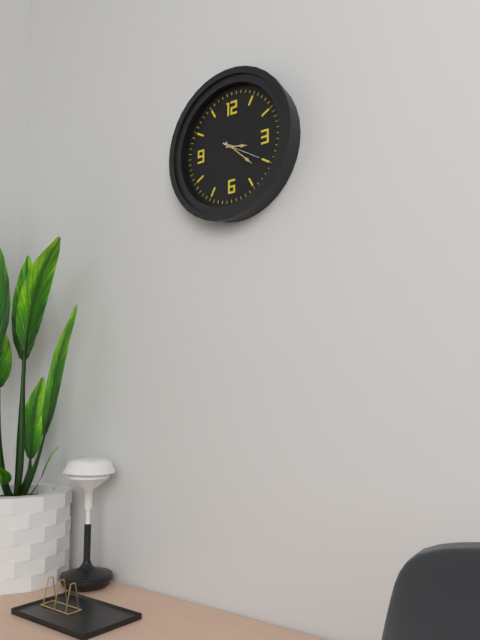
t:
3:22
